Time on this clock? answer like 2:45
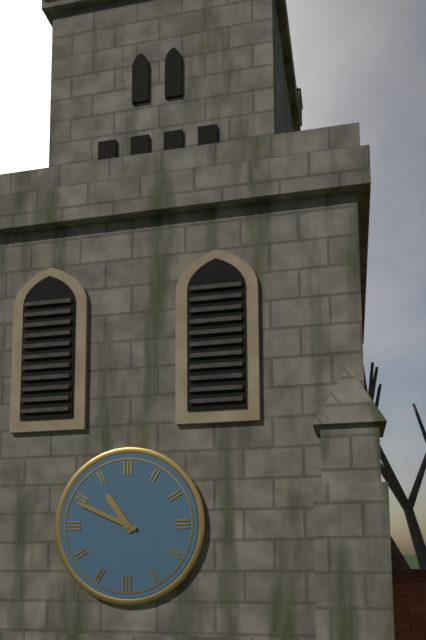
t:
10:49
